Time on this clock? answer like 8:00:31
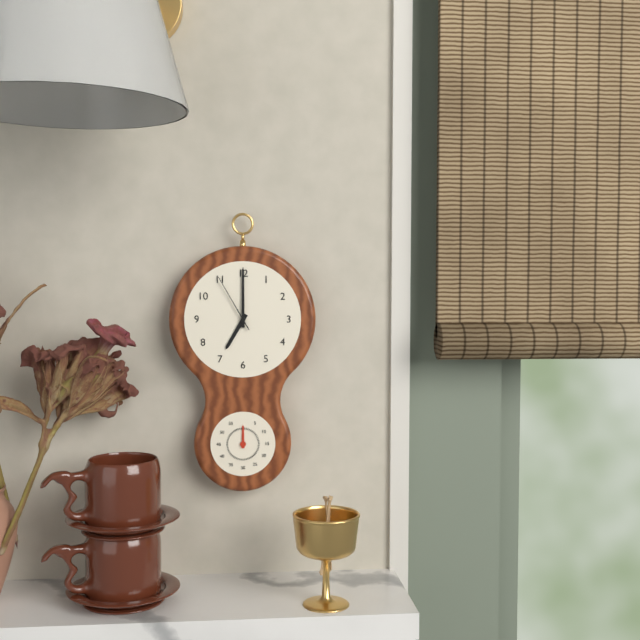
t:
7:00:55
